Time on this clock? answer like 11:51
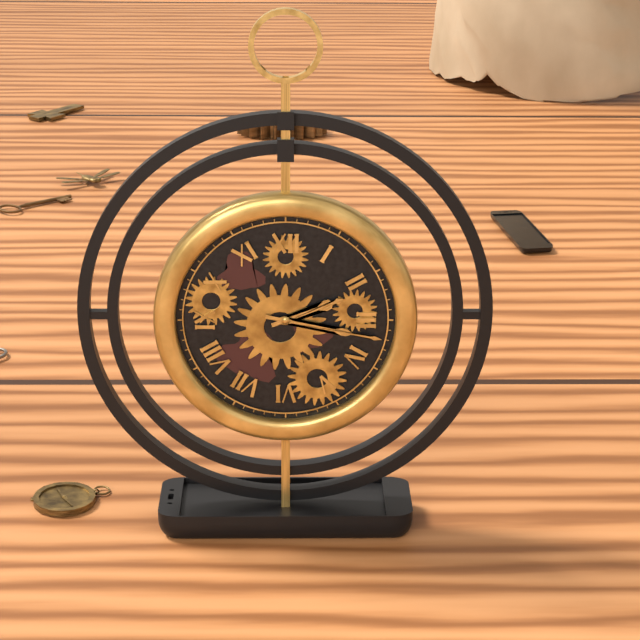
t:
2:17
